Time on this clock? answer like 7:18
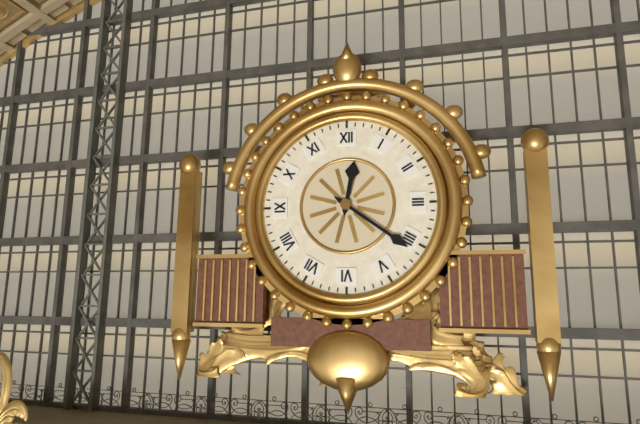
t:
12:21
